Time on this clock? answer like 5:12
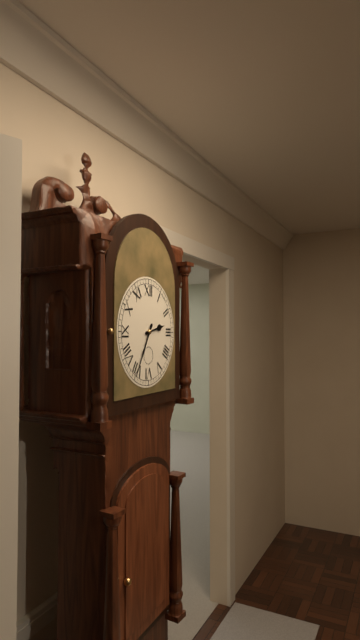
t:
2:35
